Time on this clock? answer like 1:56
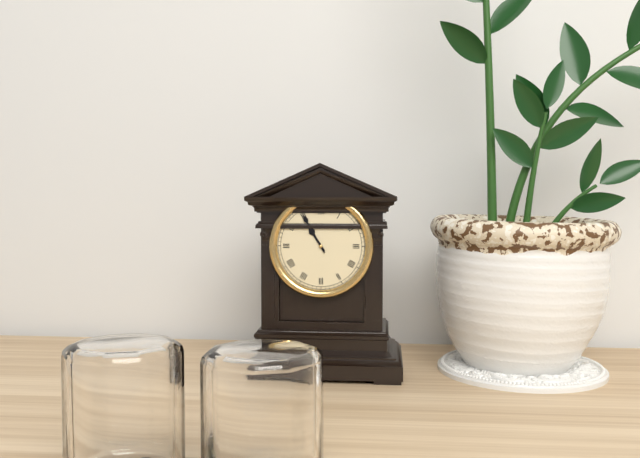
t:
10:55
